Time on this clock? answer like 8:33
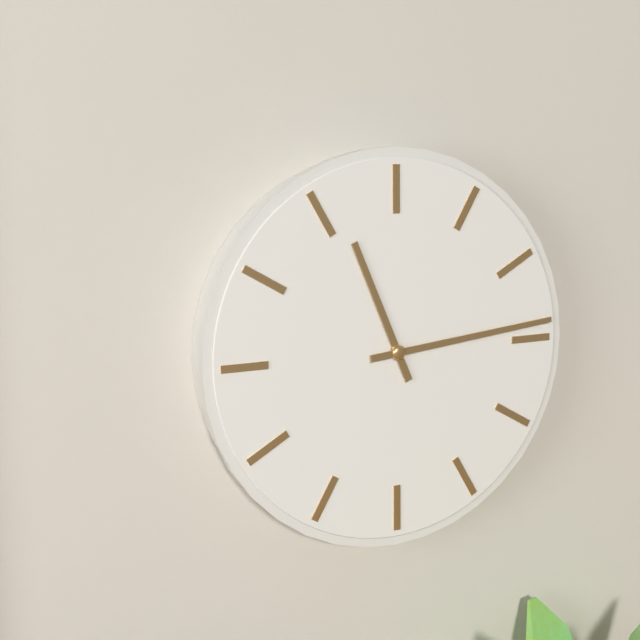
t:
11:14
